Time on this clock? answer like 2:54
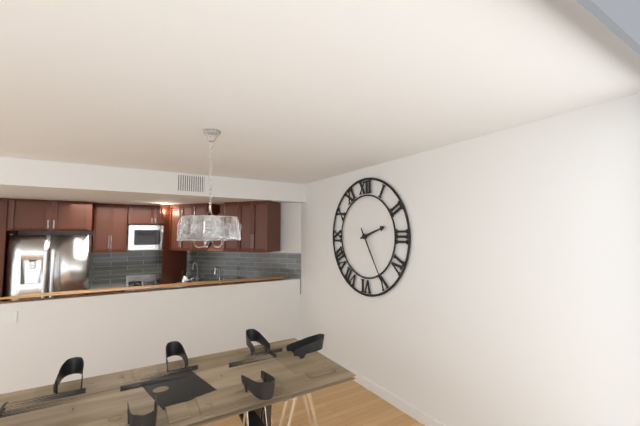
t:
2:25
